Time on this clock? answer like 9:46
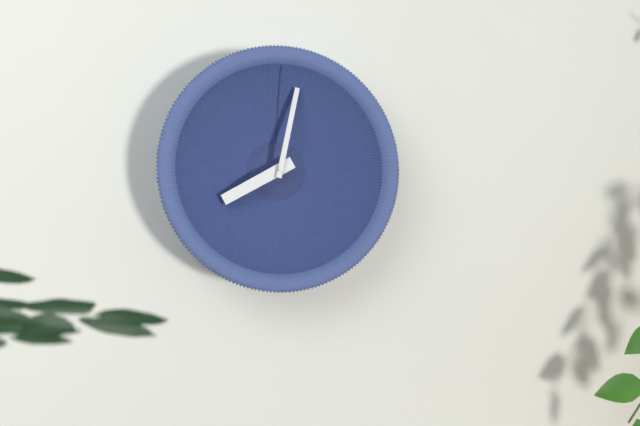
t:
8:02
